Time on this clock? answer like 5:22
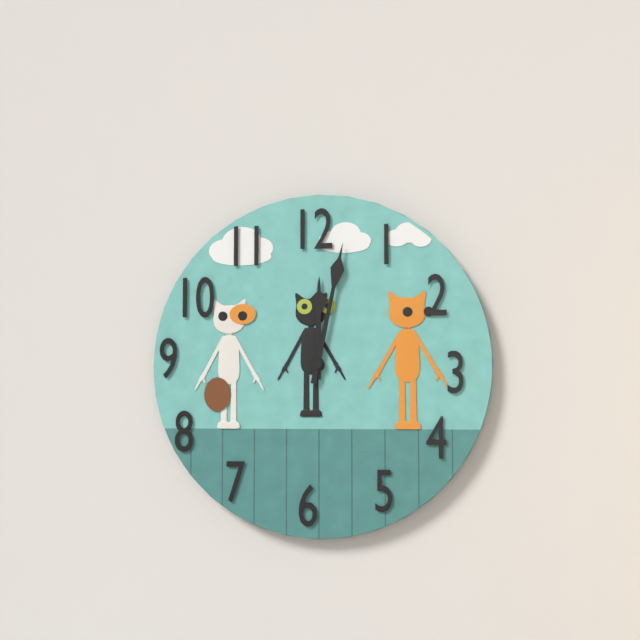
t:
12:02
